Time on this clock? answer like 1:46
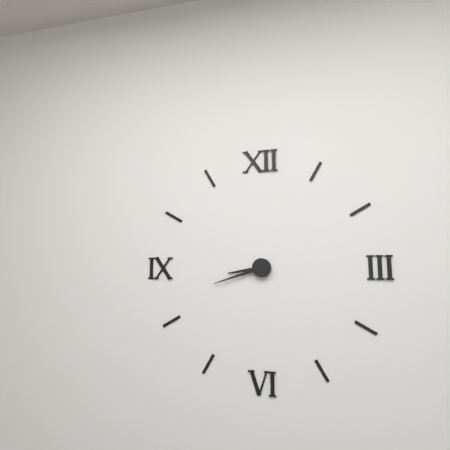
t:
8:42
